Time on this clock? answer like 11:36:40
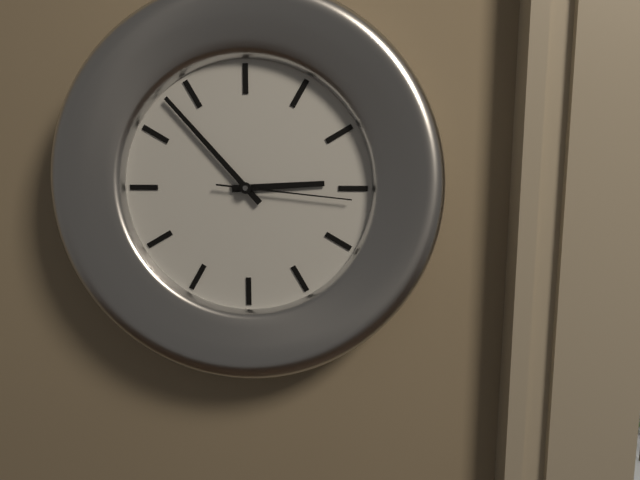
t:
2:53:16
